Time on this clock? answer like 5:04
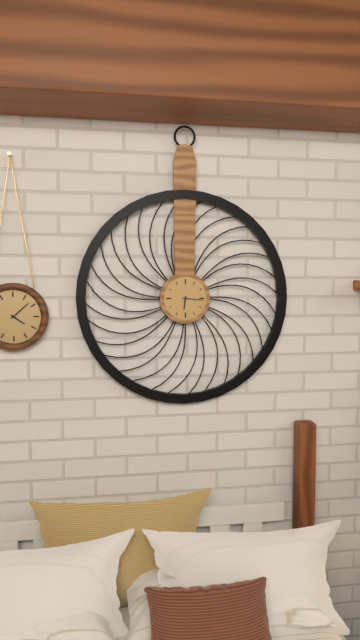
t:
6:16
